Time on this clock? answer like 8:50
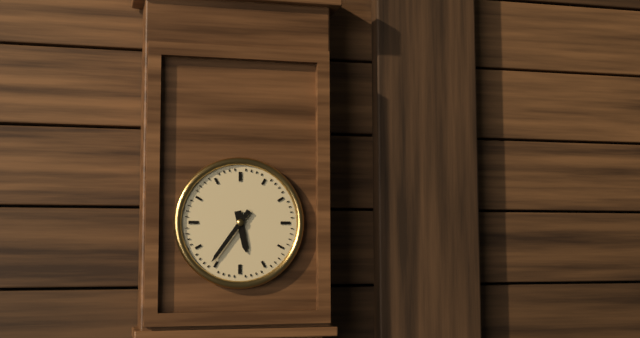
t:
5:36
